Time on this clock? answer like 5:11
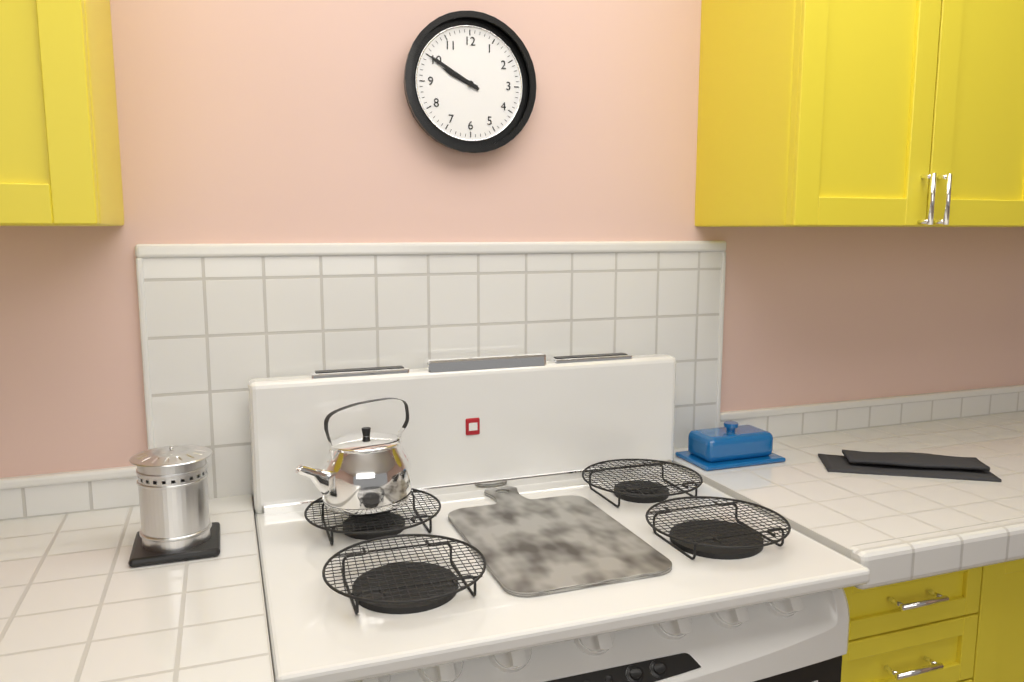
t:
9:50
